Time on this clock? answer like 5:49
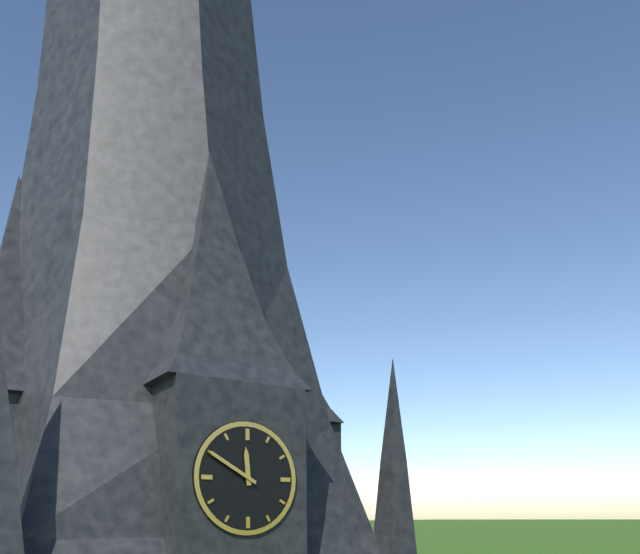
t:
11:50
